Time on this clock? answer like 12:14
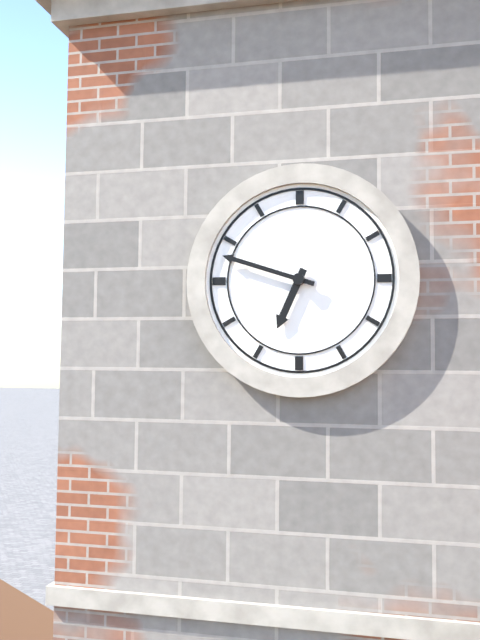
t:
6:48
